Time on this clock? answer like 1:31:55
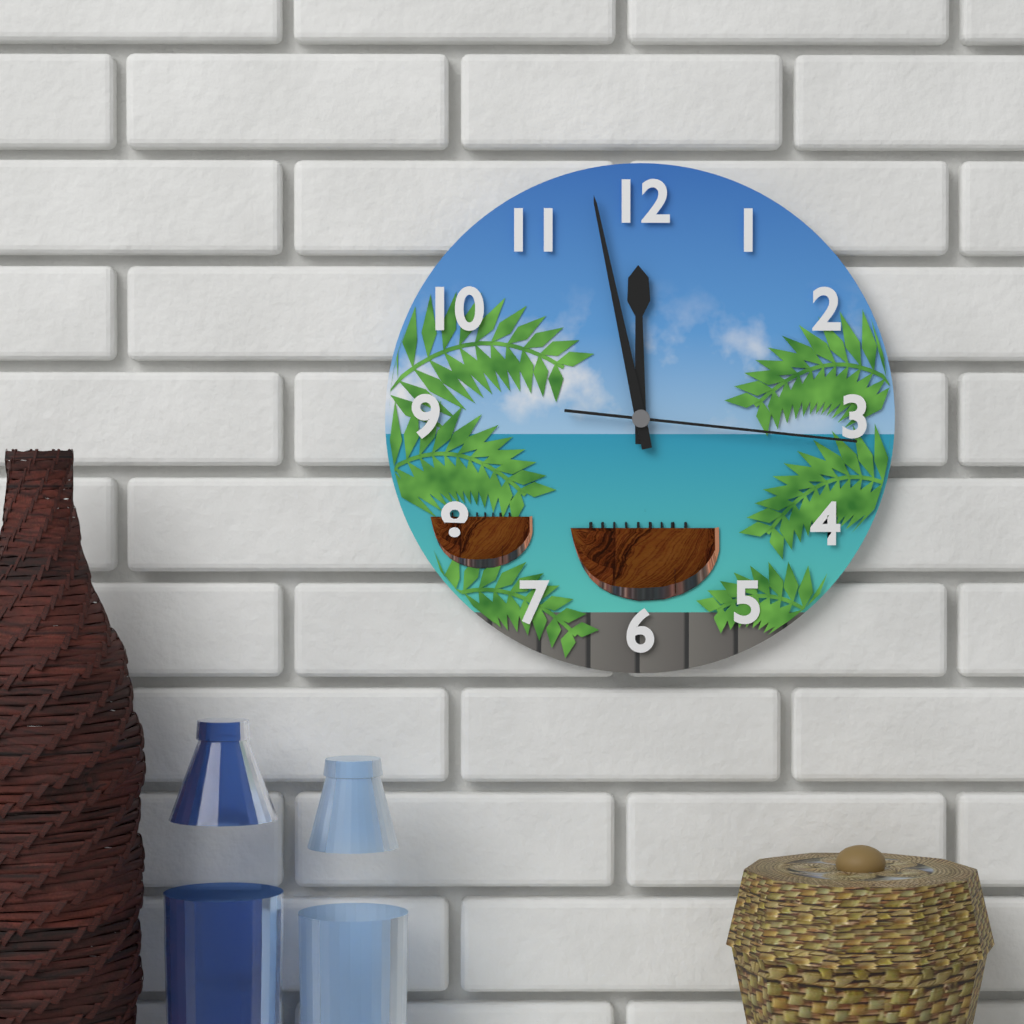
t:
11:58:16
